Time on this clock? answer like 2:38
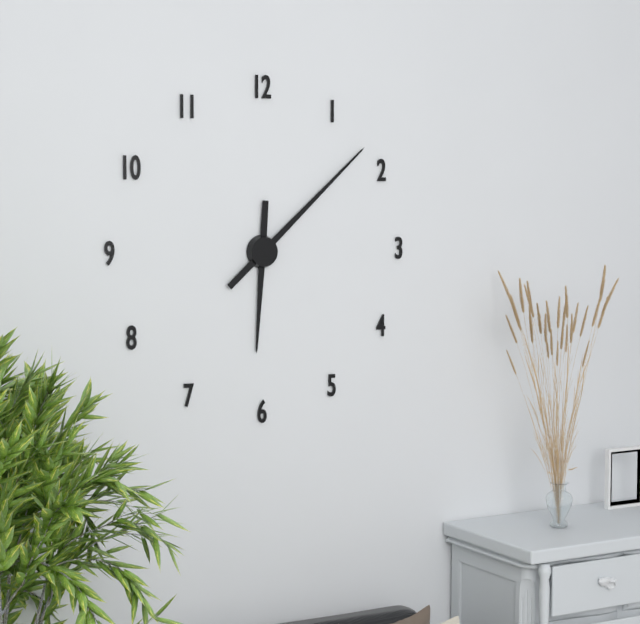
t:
6:08
